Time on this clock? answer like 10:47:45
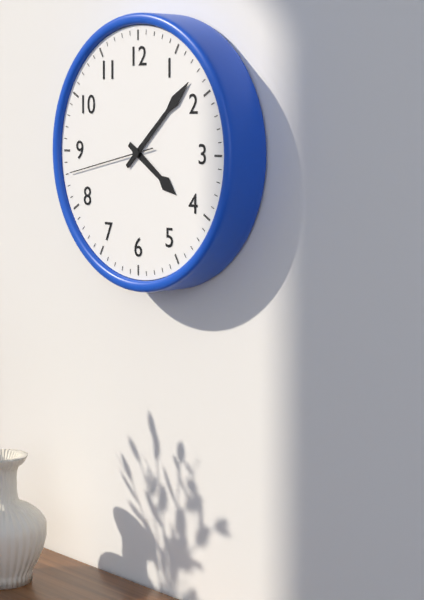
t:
4:08:43
